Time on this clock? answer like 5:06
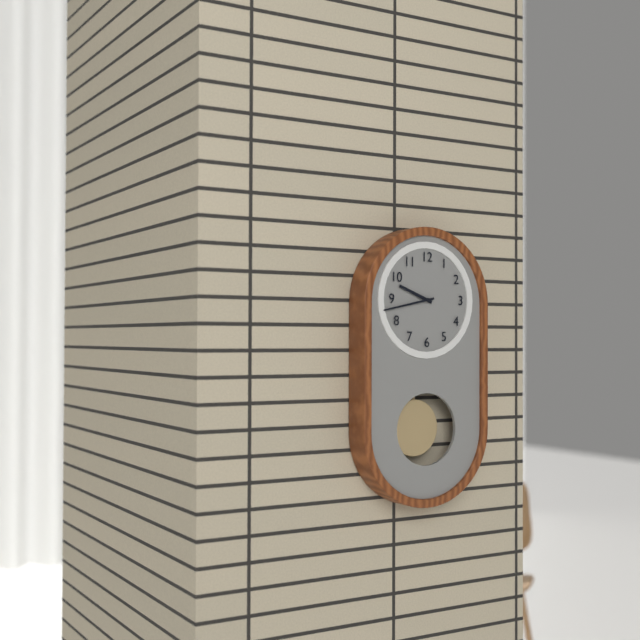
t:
9:43
